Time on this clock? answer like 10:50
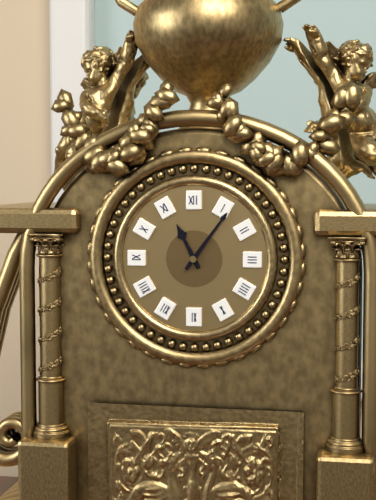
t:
11:06
